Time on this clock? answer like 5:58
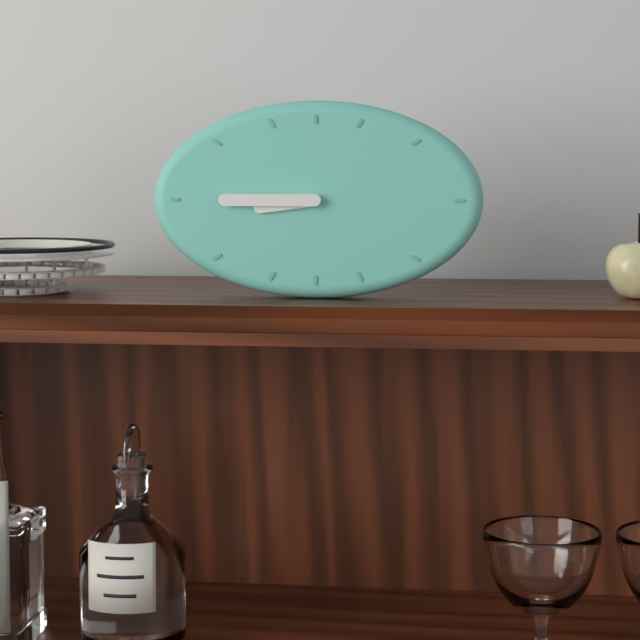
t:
8:45
